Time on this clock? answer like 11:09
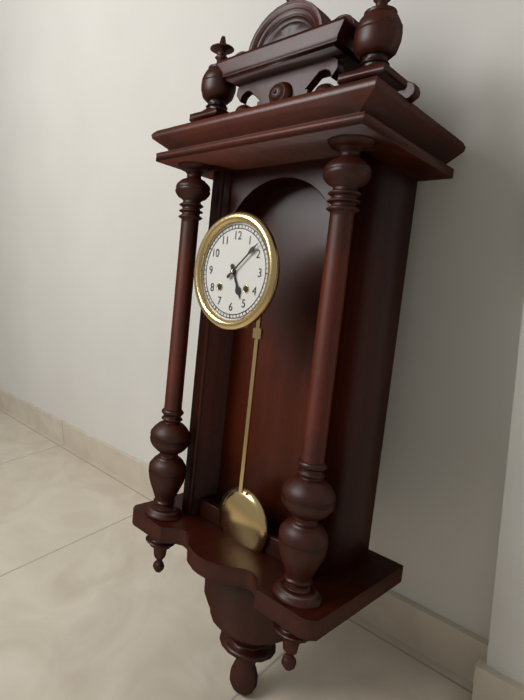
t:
5:08
